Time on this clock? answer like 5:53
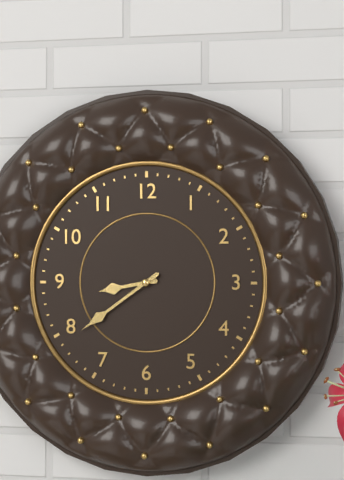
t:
8:39
